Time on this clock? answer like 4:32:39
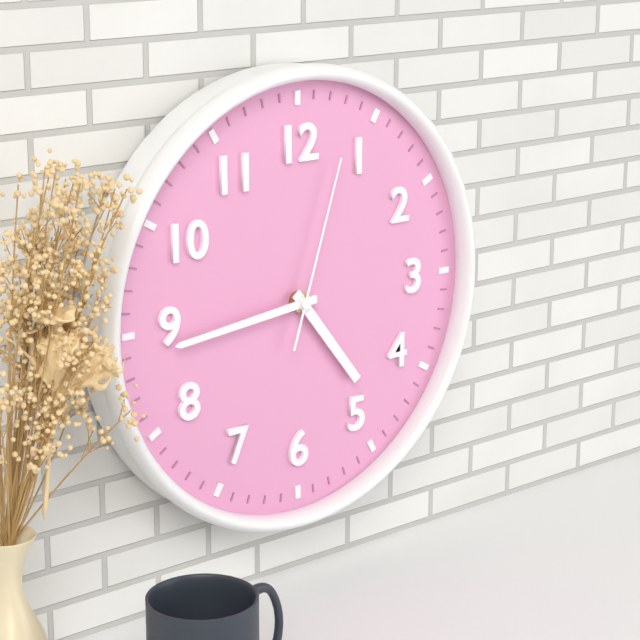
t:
4:44:03
